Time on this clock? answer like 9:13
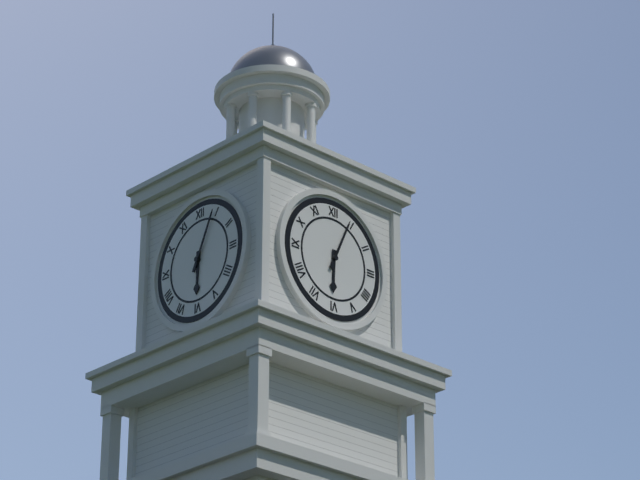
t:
6:04
